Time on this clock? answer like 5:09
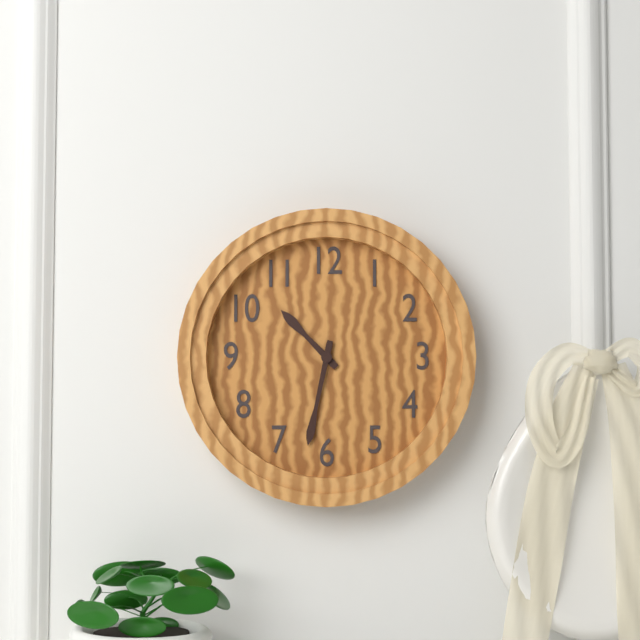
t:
10:32
